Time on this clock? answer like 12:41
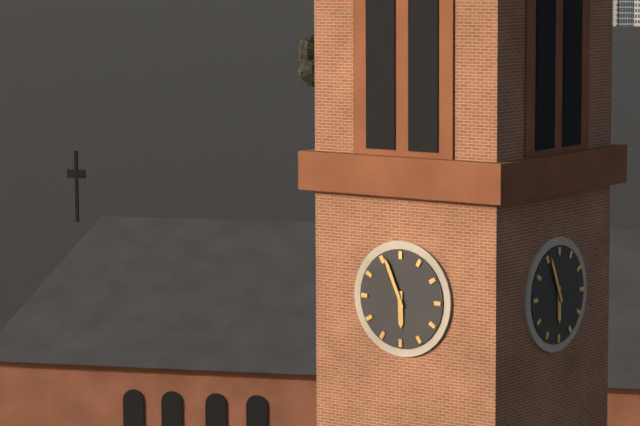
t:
5:56
